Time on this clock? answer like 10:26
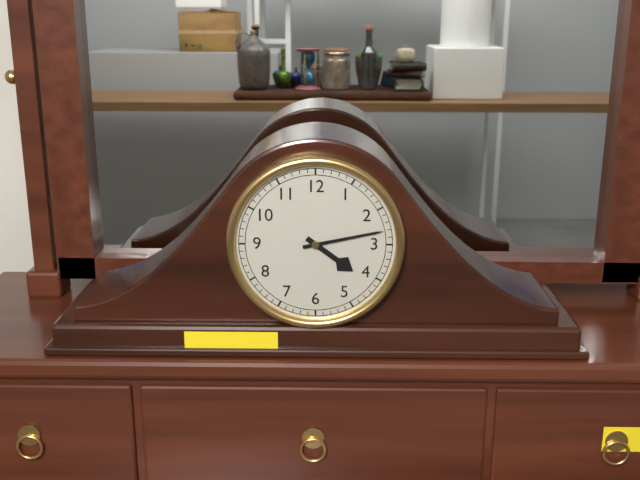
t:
4:13
